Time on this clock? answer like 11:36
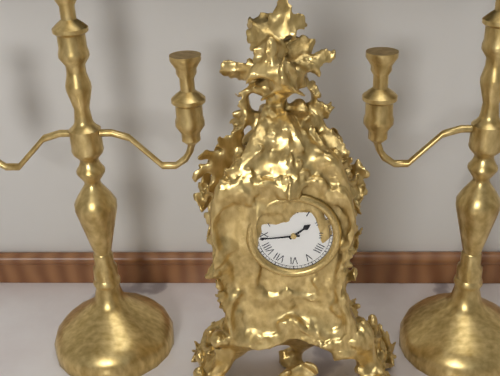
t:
1:44
